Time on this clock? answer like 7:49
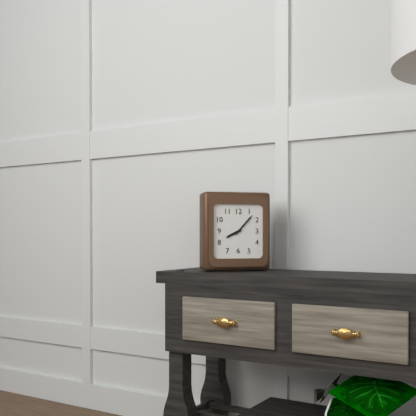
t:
8:07
